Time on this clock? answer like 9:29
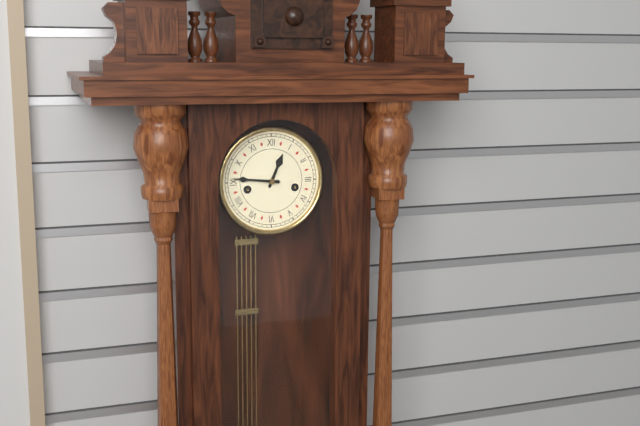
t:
12:46
